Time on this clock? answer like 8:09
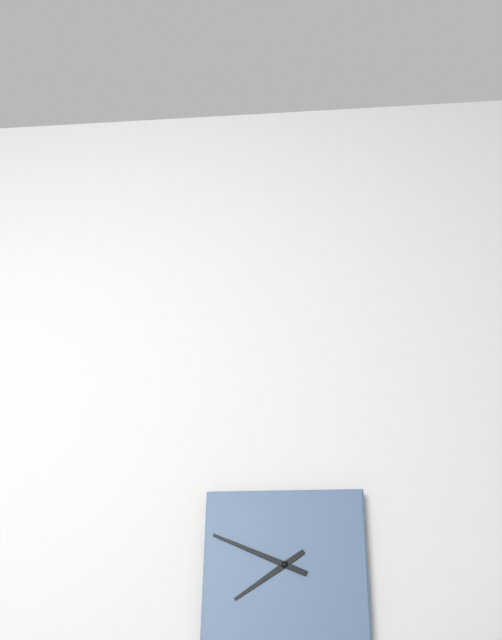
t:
7:49
